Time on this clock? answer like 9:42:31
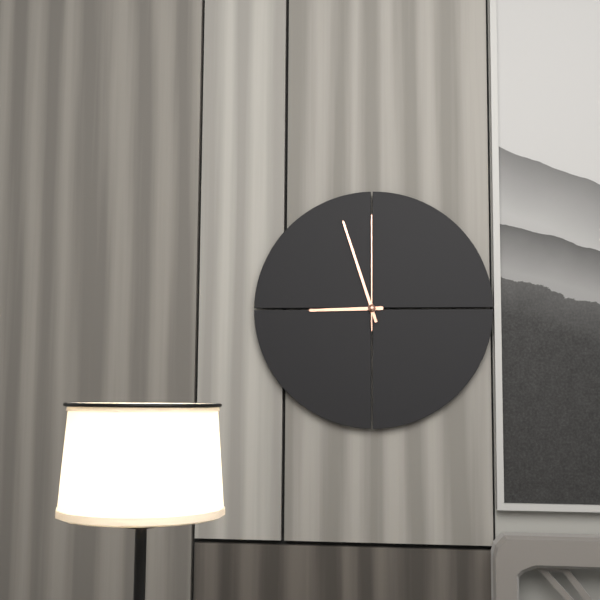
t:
8:57:00
